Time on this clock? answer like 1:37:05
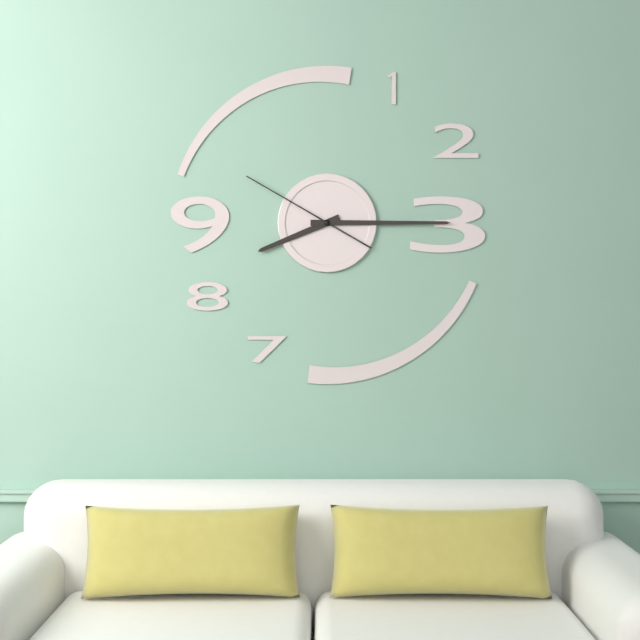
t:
8:15:50
